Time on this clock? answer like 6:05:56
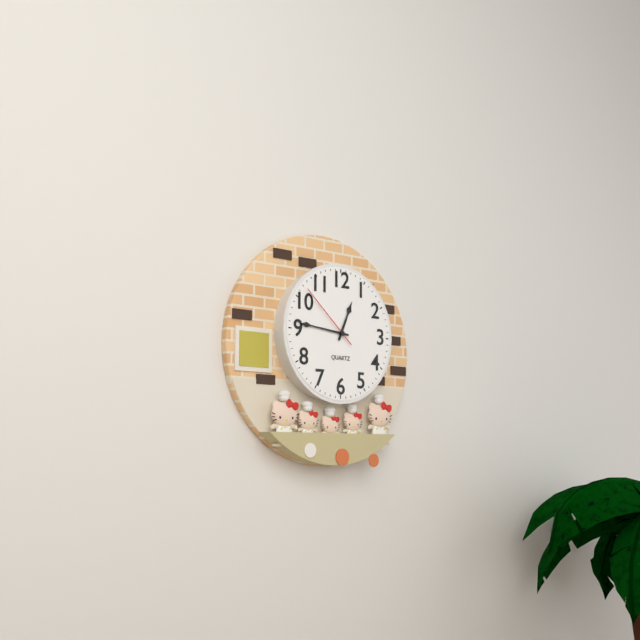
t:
12:46:52
